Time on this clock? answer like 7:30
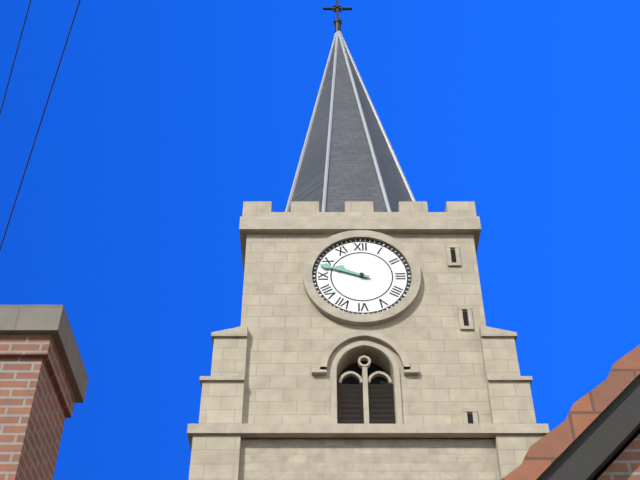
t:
9:48
